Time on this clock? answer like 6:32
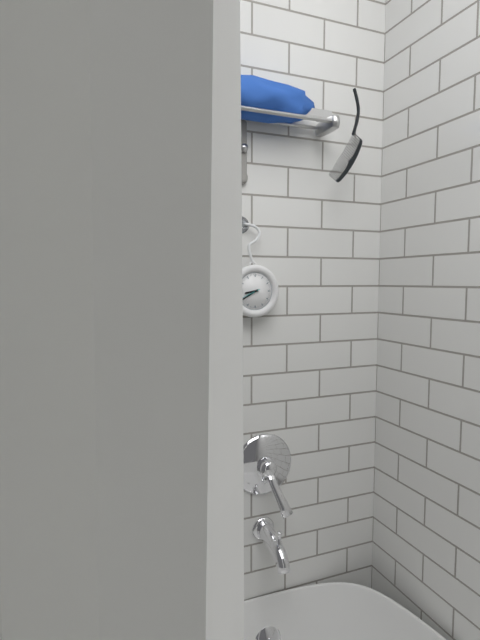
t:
8:40
